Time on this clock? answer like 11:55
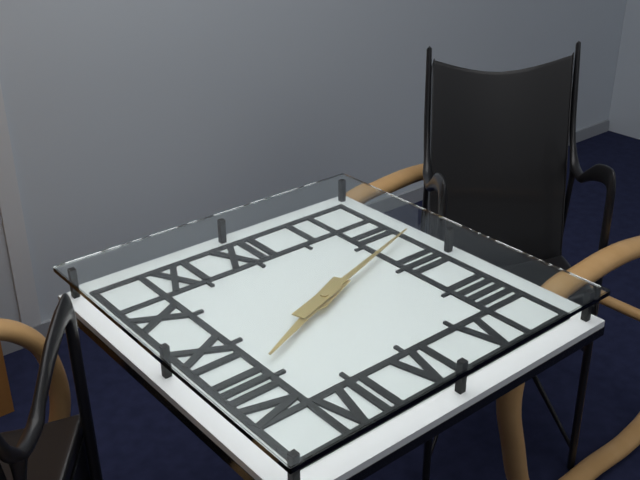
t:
8:12
